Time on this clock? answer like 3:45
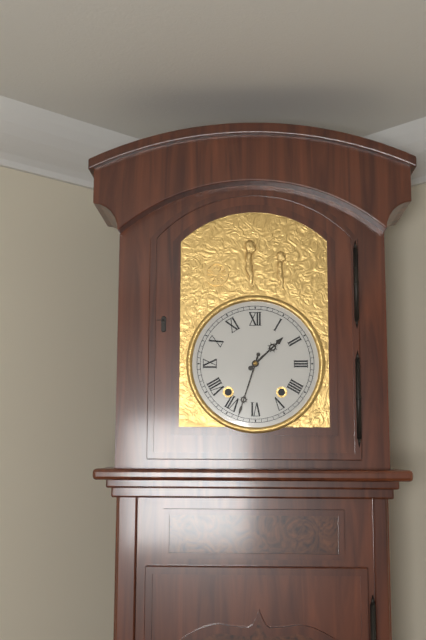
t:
1:33
